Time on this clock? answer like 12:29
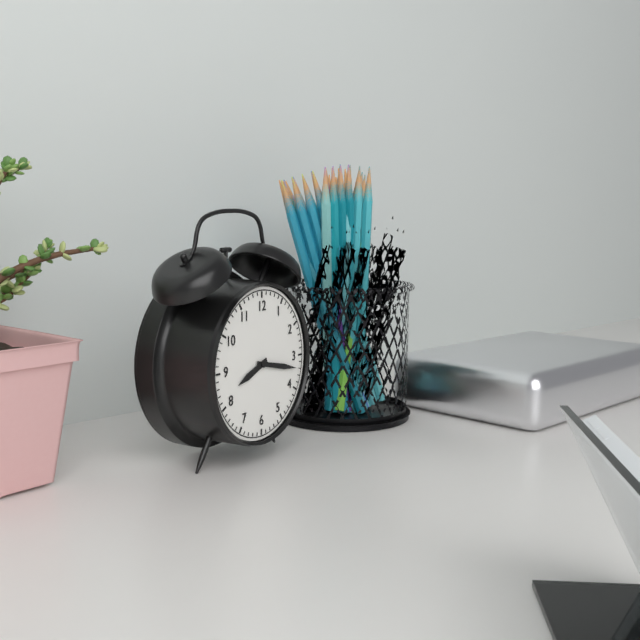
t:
8:17
